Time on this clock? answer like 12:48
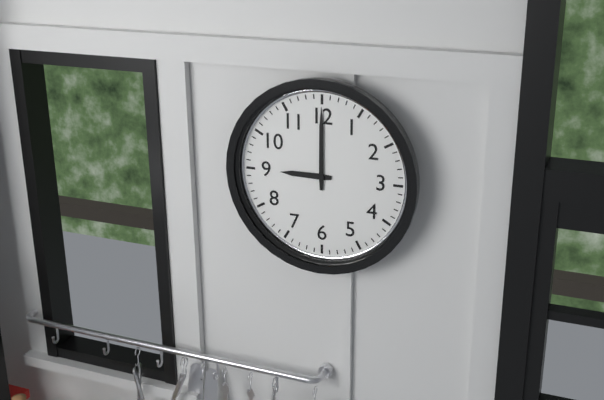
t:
9:00
